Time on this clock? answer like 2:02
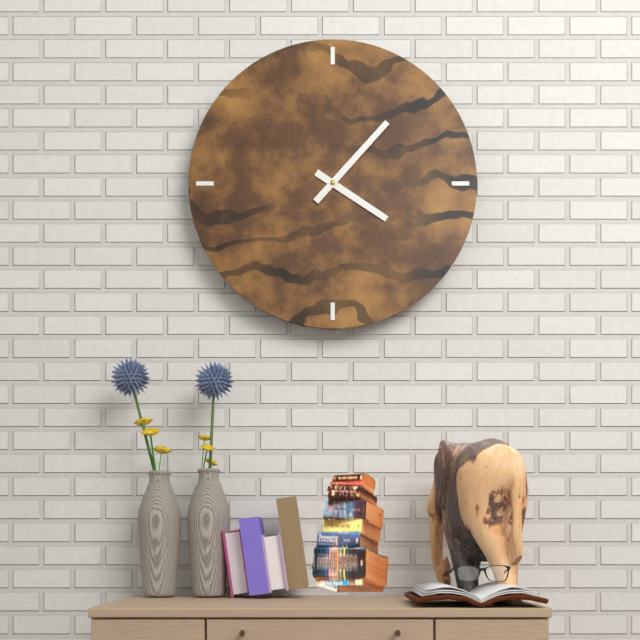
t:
4:07
